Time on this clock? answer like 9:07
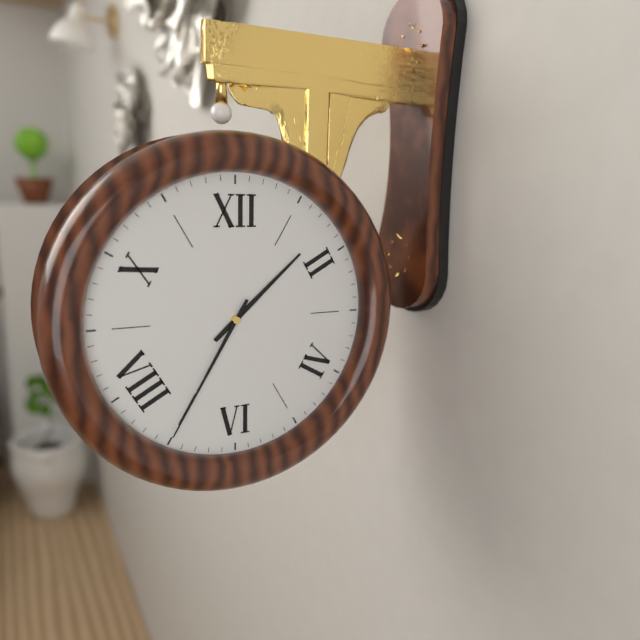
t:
1:35
